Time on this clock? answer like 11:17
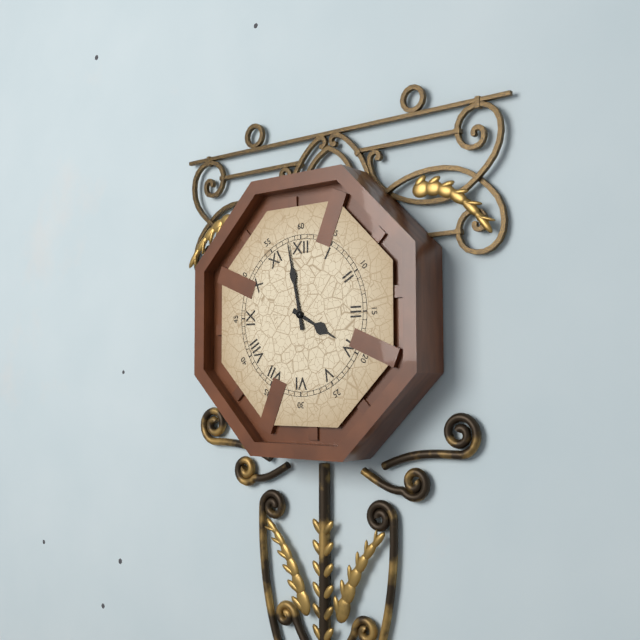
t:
3:58
